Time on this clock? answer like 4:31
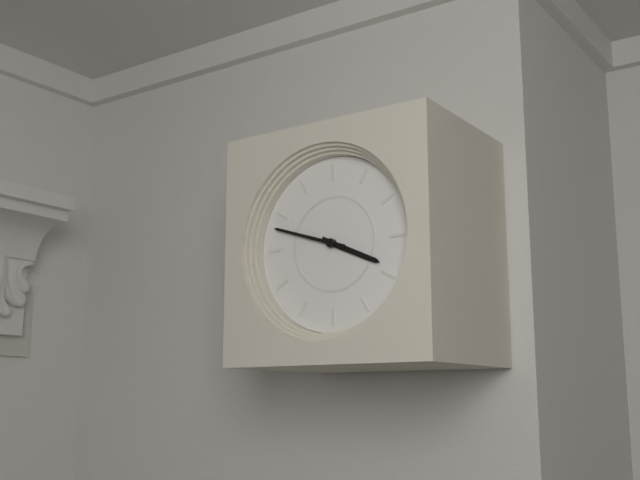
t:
3:48
